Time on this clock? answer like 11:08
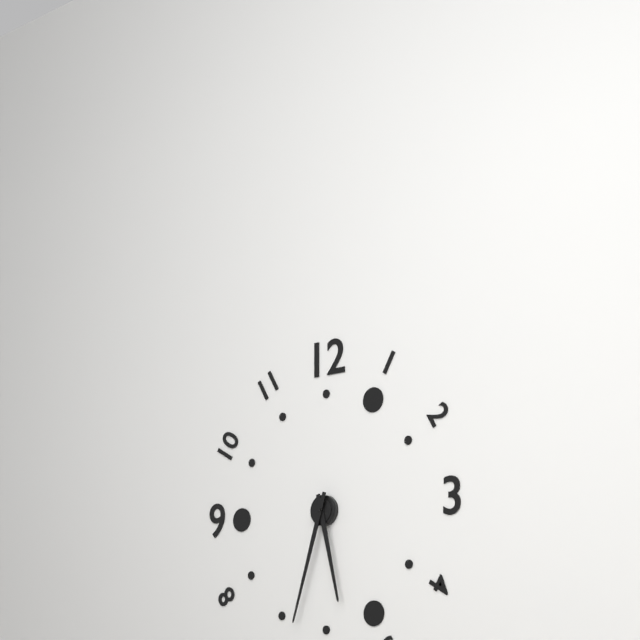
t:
5:33
